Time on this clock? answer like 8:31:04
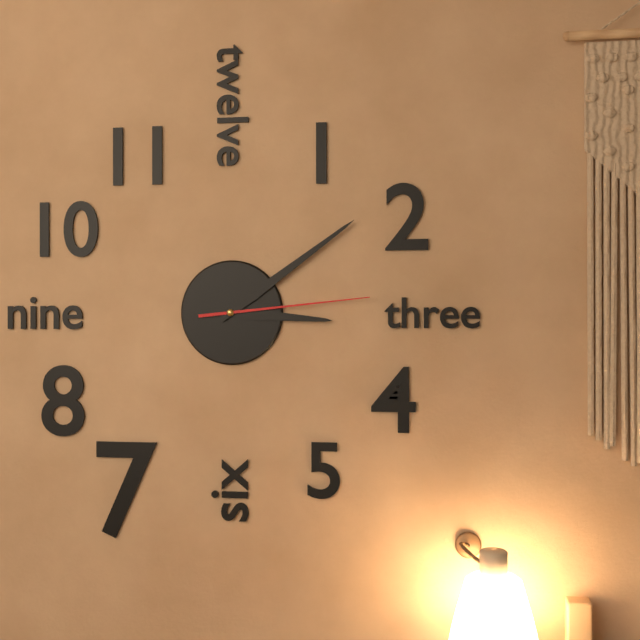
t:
3:09:14
